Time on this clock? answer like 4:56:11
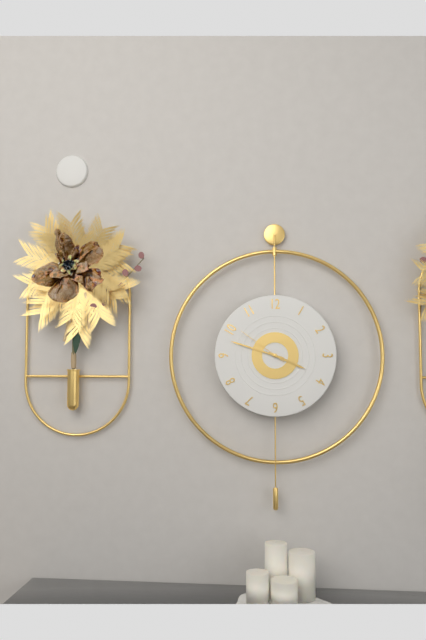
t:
3:48:51
